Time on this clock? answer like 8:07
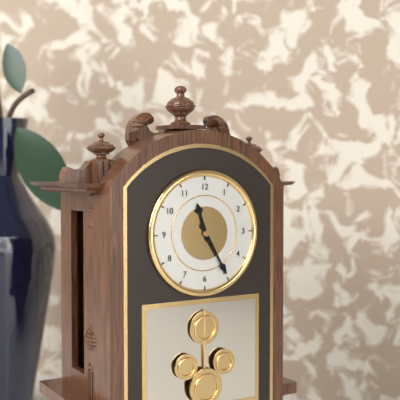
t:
11:25
